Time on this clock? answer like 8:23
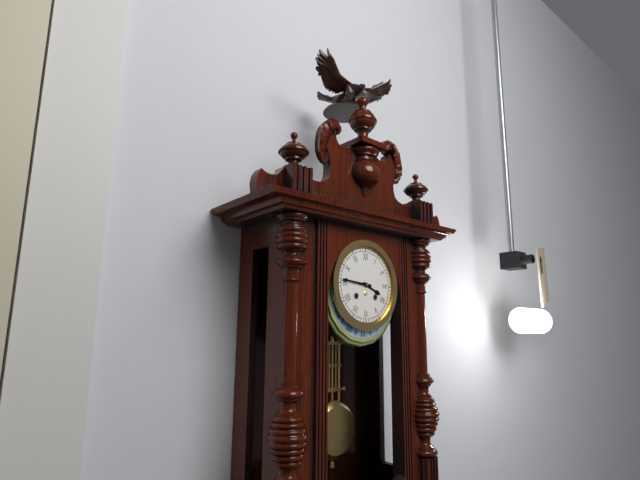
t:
3:46
